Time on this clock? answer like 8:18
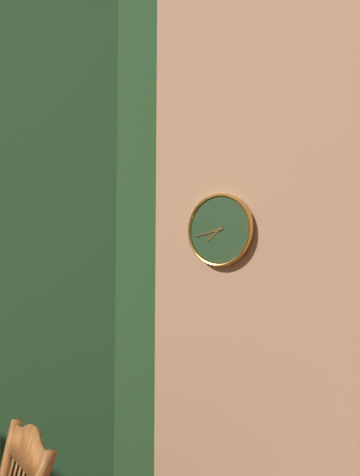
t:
7:43
